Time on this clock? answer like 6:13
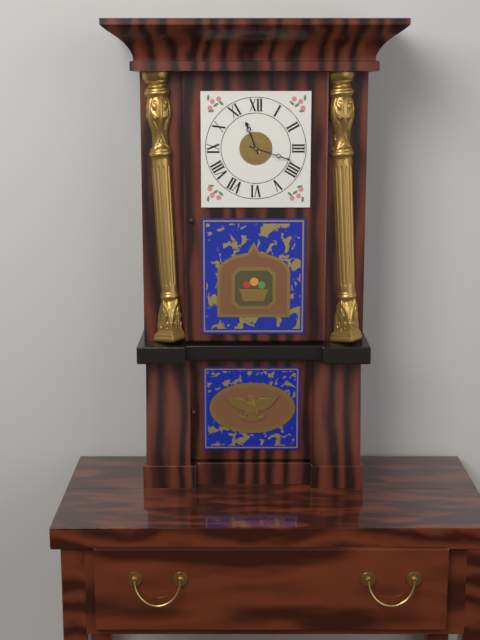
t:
11:18
